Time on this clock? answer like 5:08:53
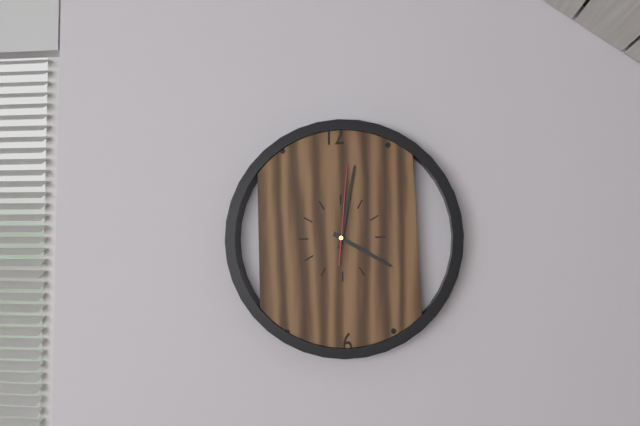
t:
4:02:01
